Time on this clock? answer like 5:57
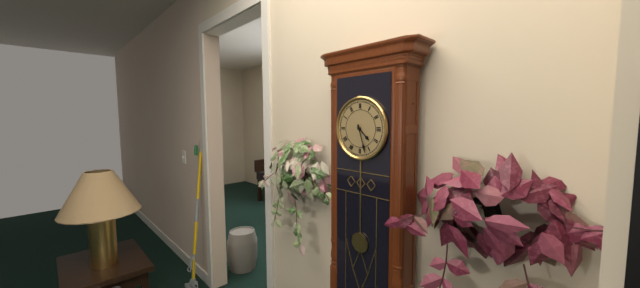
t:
4:27
